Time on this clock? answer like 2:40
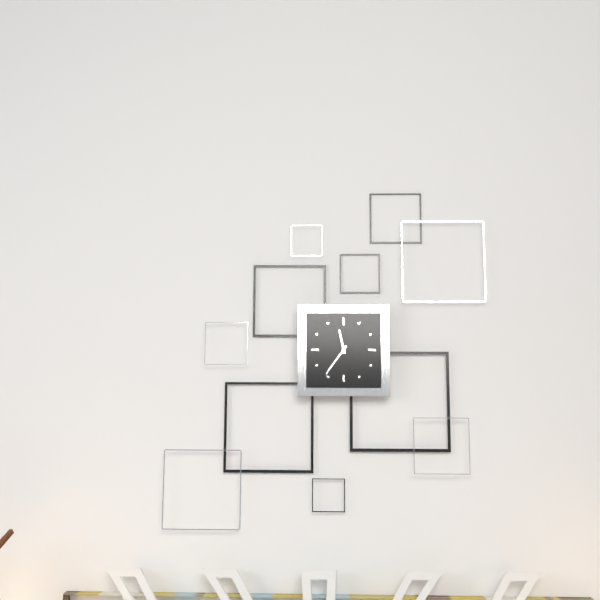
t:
11:36
